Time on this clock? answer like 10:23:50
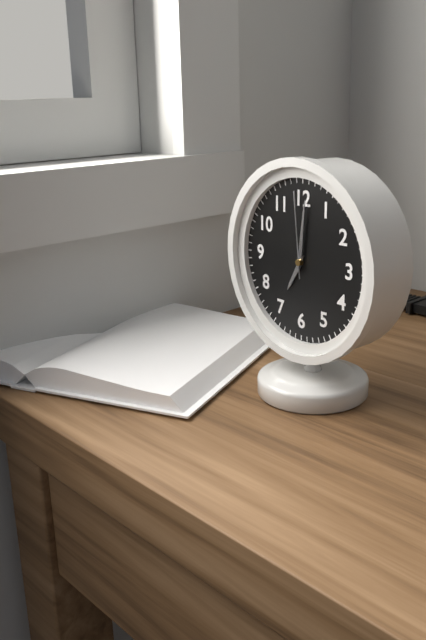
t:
7:01:59
